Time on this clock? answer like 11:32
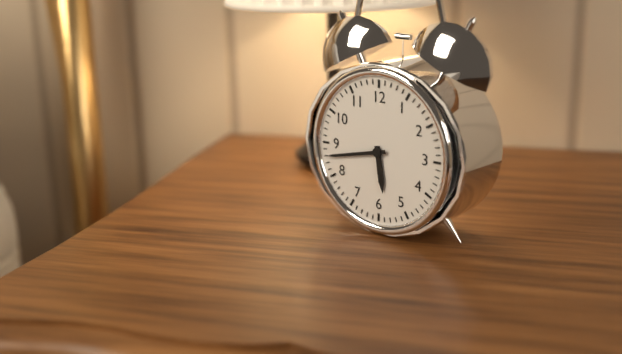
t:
5:43
